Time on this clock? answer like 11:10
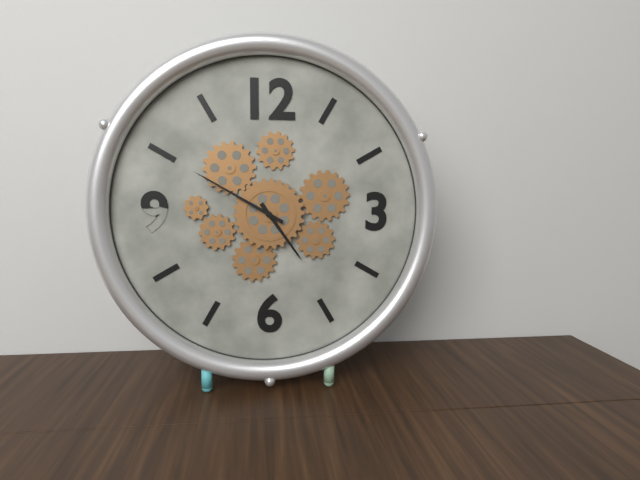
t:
4:50
